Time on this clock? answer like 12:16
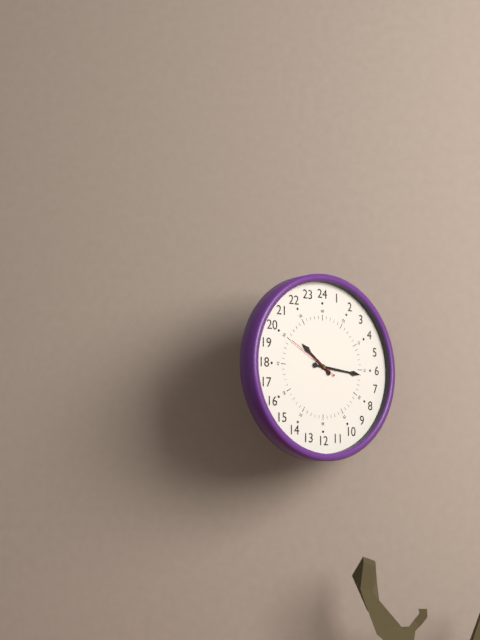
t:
10:16
